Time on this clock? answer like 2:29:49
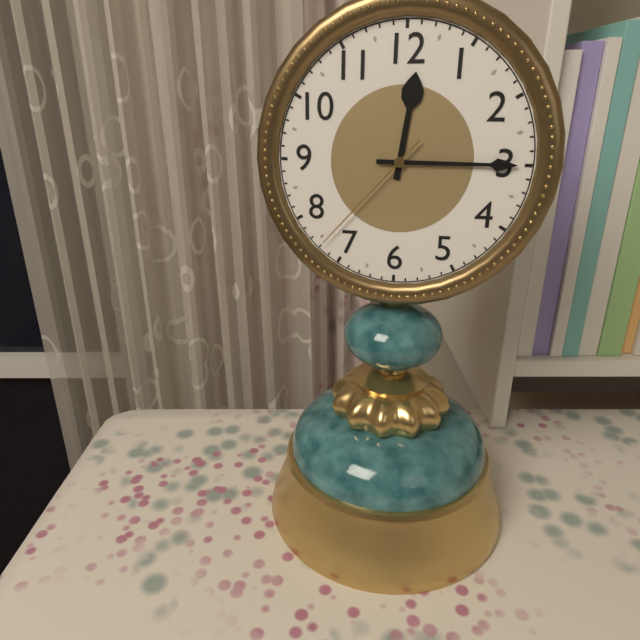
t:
12:15:37
